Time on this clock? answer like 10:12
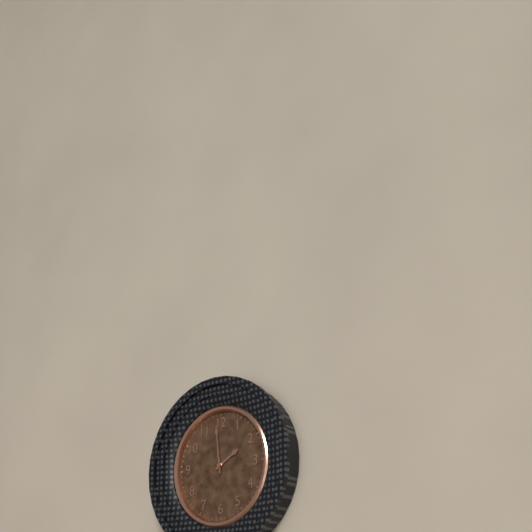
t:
1:59
